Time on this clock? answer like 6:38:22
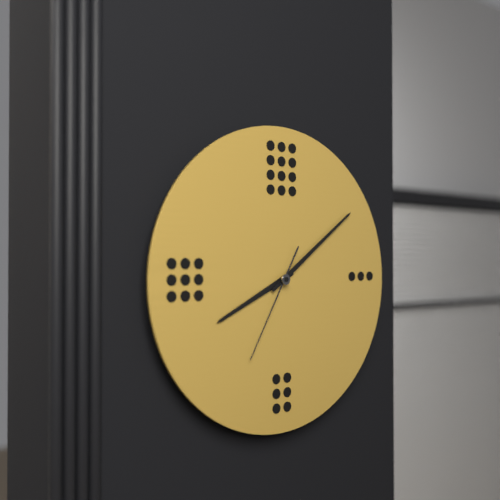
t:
8:09:35
